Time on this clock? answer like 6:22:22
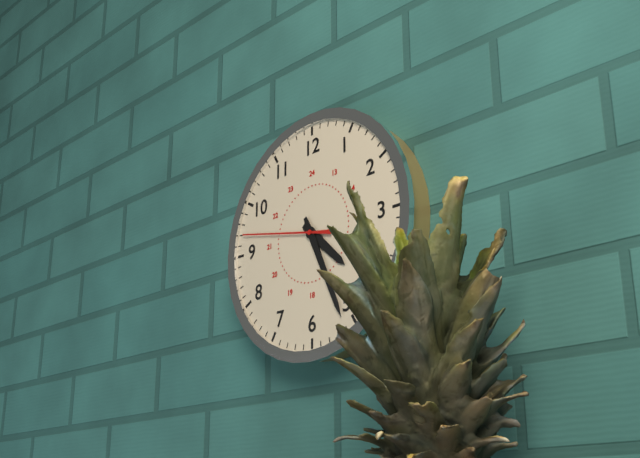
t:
4:26:47
